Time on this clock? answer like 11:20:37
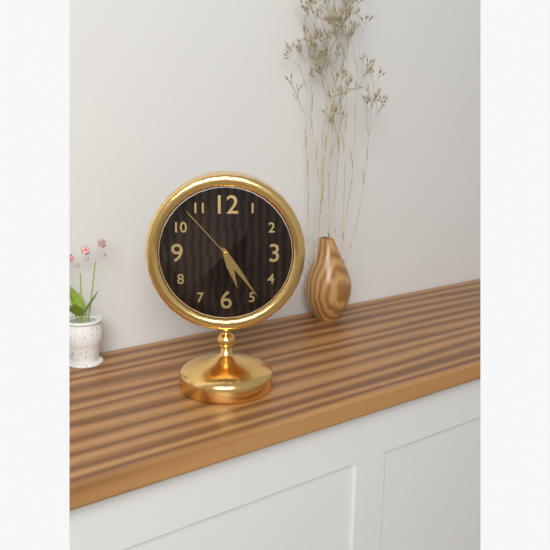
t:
5:24:53
